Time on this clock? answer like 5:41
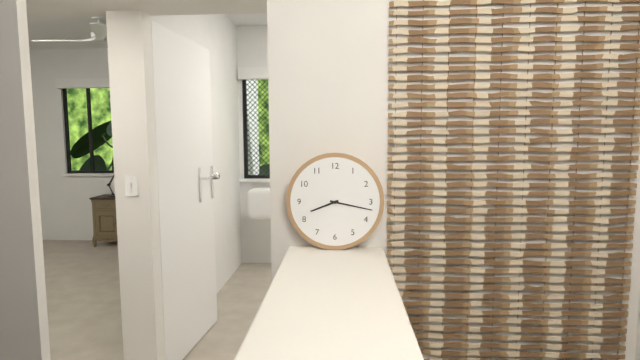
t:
8:17
